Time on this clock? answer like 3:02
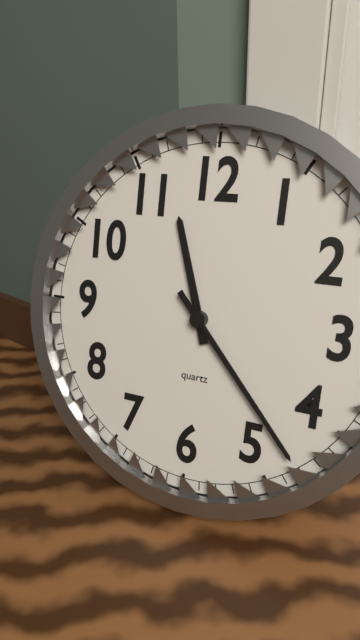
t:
11:23
